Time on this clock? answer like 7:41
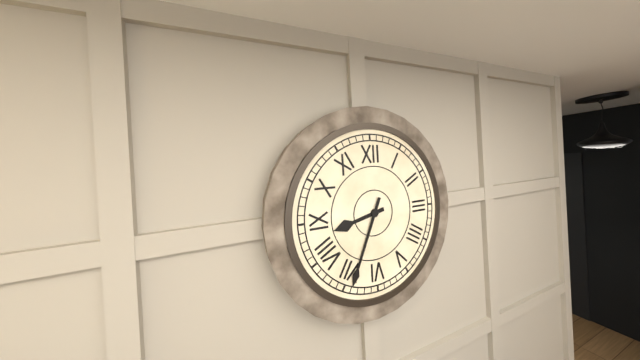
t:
8:34
